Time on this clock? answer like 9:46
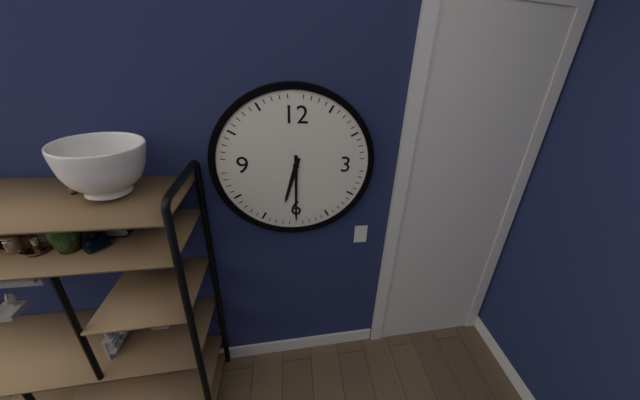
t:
6:30
